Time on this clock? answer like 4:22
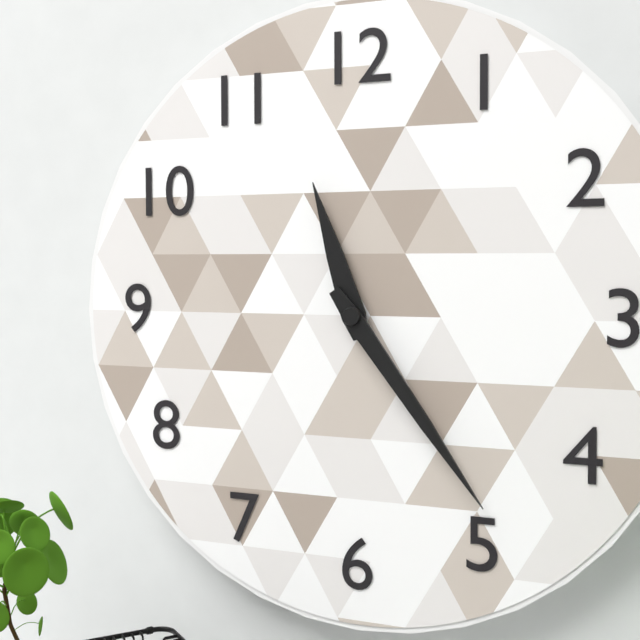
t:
11:24
